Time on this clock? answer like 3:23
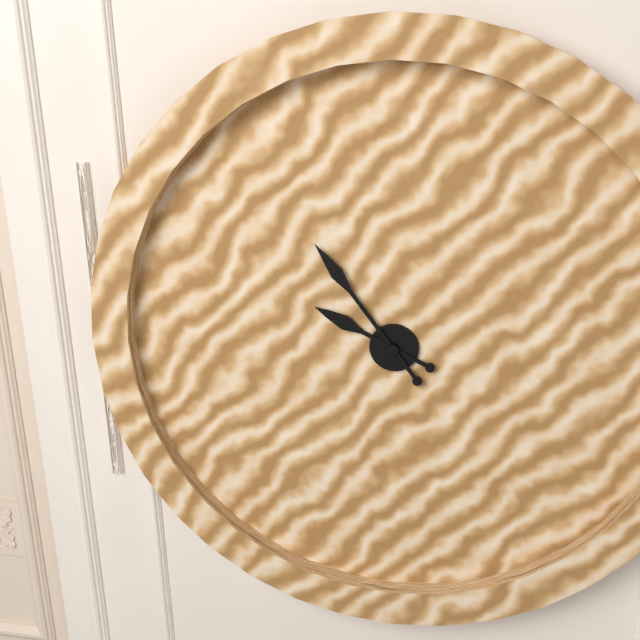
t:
9:54
